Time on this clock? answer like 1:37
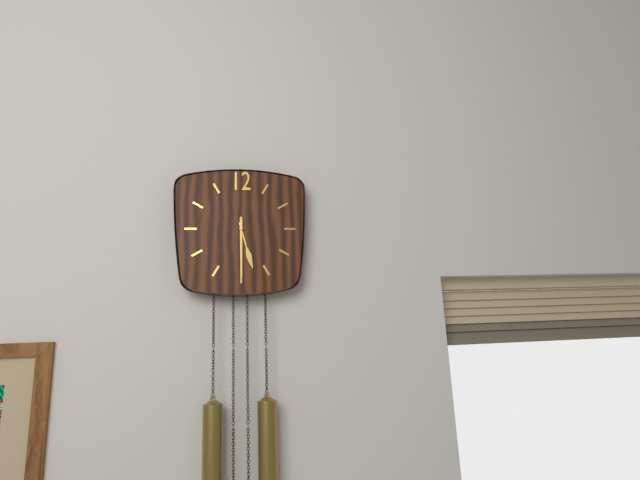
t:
5:30
